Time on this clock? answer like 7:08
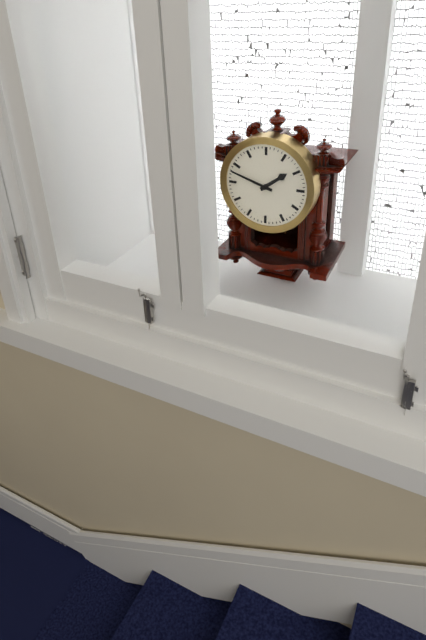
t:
1:48
